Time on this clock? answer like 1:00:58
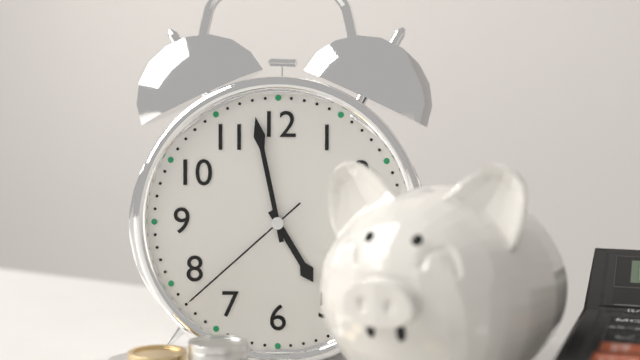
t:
4:58:38
